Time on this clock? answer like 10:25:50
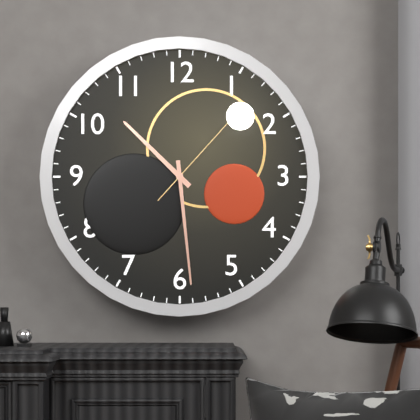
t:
10:29:07
